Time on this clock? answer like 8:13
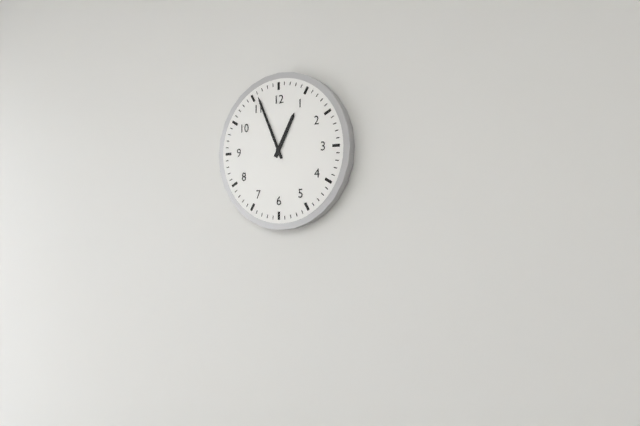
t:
12:56
